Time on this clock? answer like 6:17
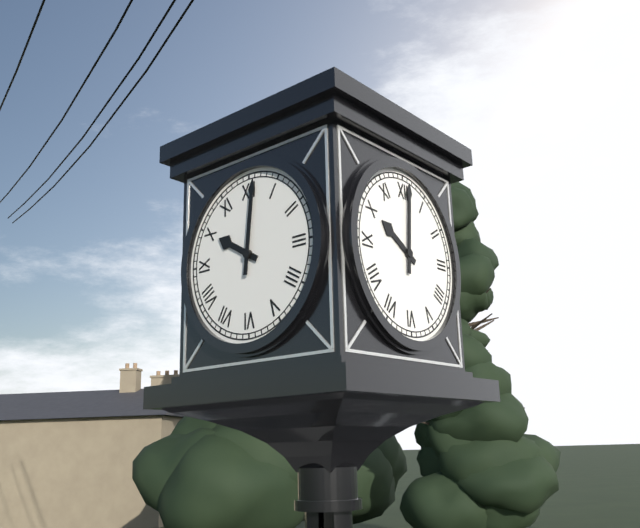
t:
10:01
